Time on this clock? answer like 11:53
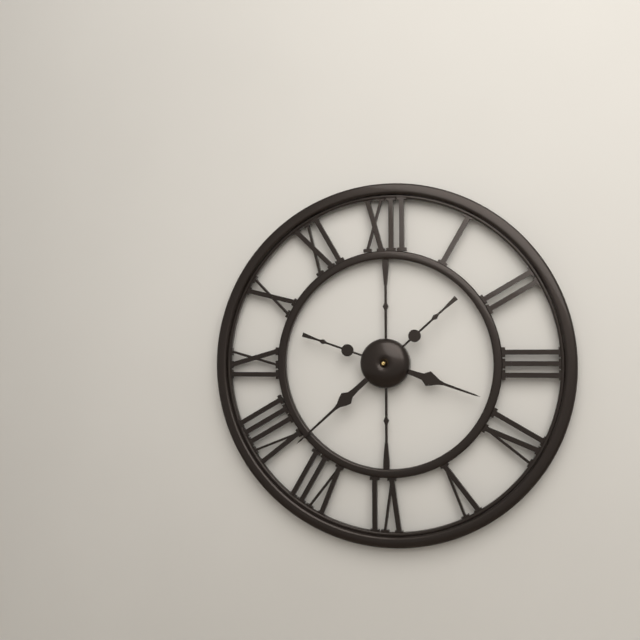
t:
3:38
